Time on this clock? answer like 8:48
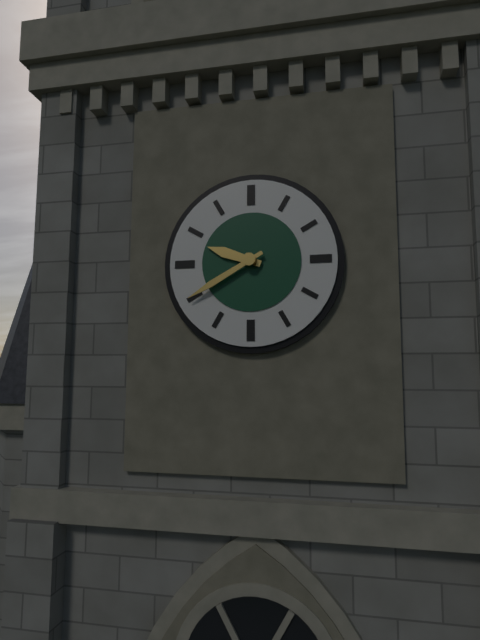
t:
9:40
